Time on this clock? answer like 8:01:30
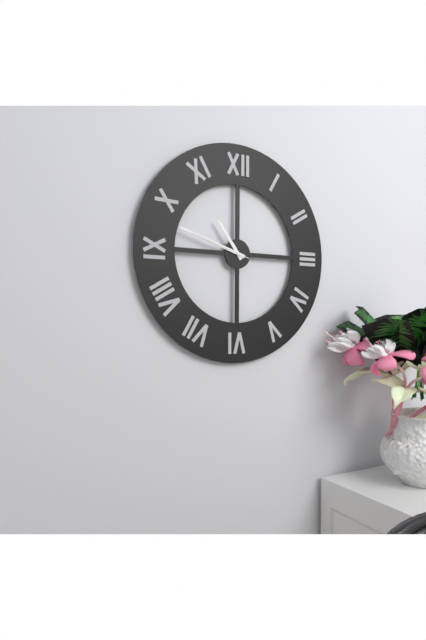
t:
10:48:48
